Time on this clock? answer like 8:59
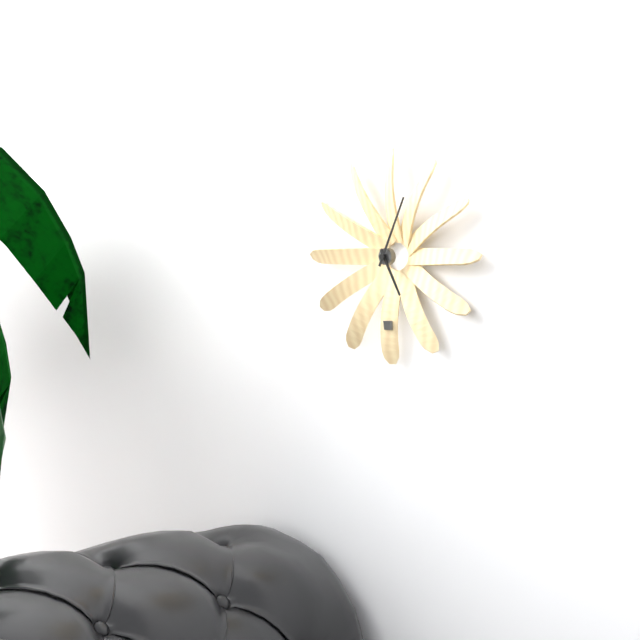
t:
5:04
